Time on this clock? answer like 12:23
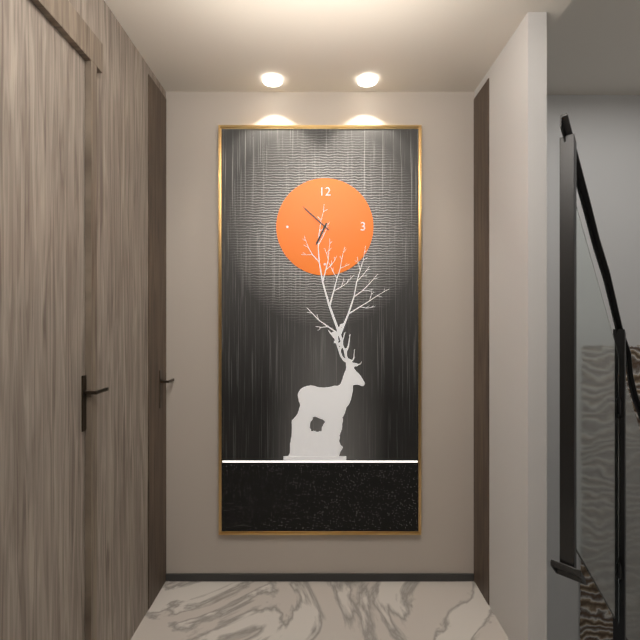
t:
6:52
